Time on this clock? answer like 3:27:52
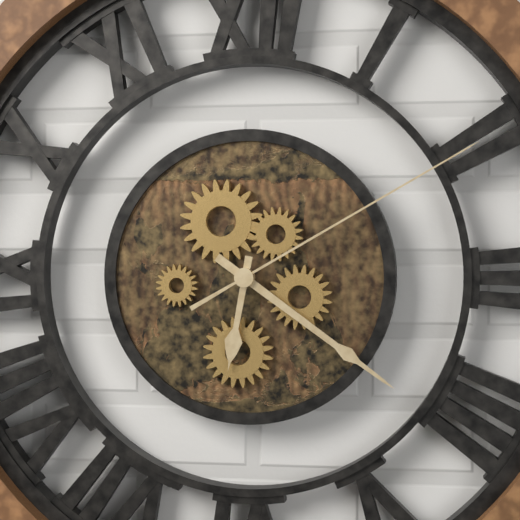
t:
6:21:10
